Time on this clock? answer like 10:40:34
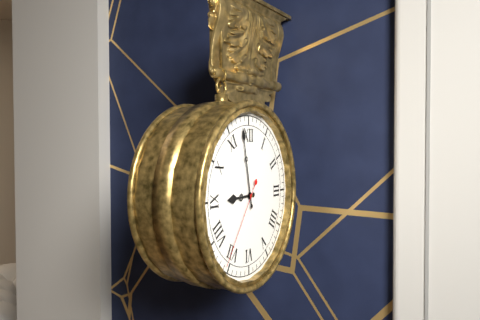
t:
8:58:36
